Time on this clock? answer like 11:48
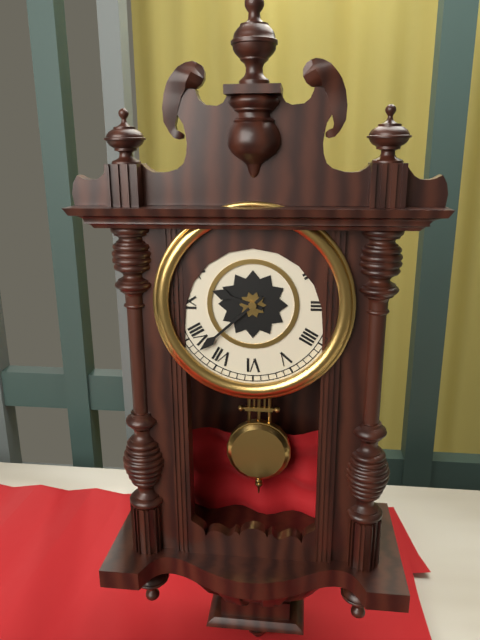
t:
9:38
